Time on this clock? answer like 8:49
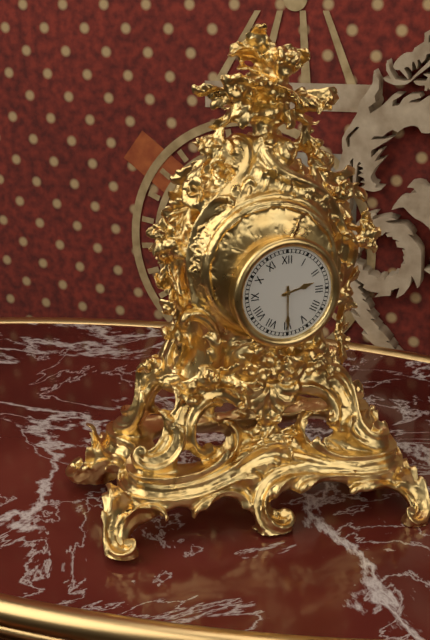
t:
2:30
